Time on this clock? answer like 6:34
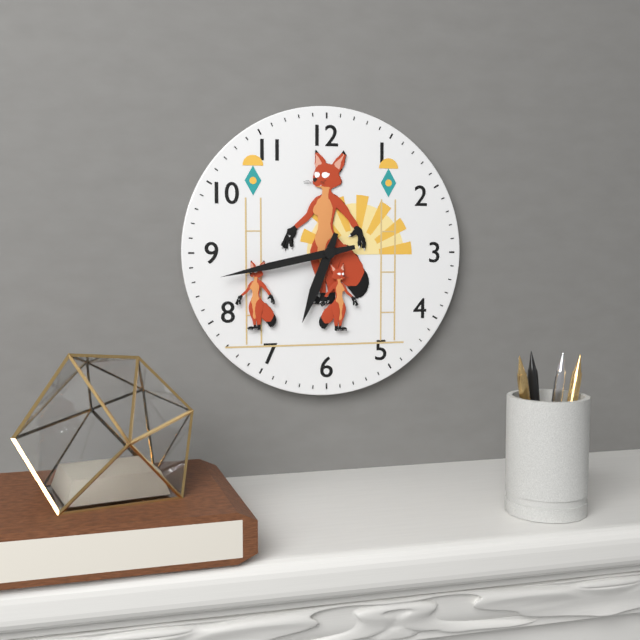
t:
6:43
